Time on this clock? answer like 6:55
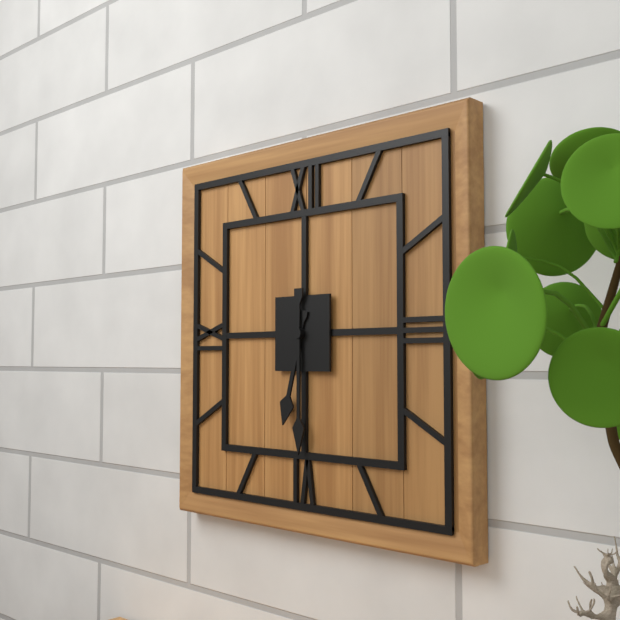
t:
6:30
